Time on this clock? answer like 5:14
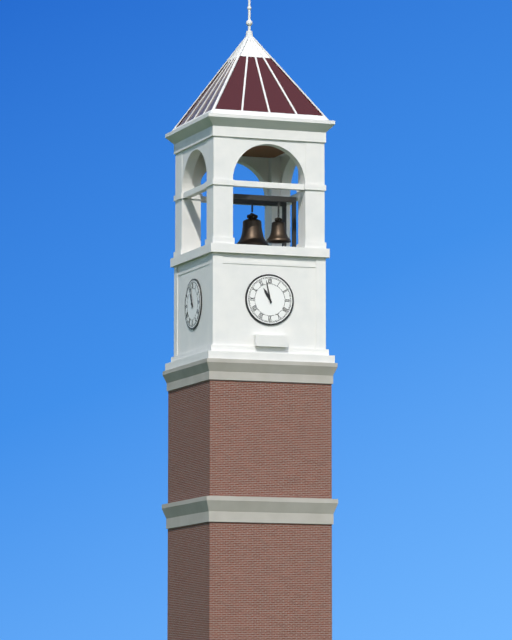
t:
10:58
